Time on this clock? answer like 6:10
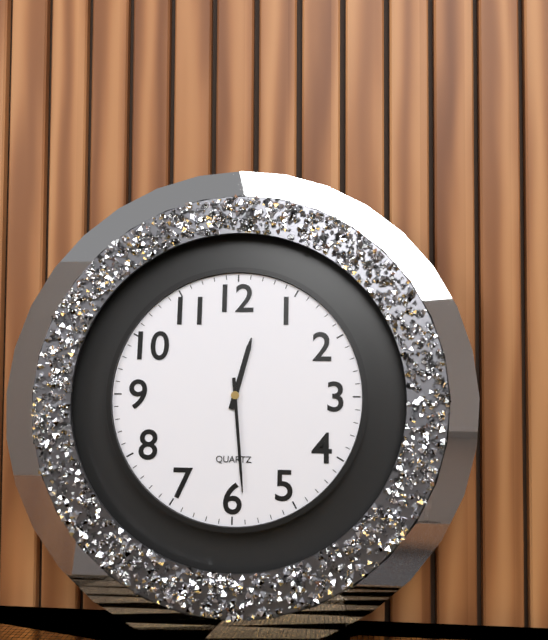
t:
12:29
